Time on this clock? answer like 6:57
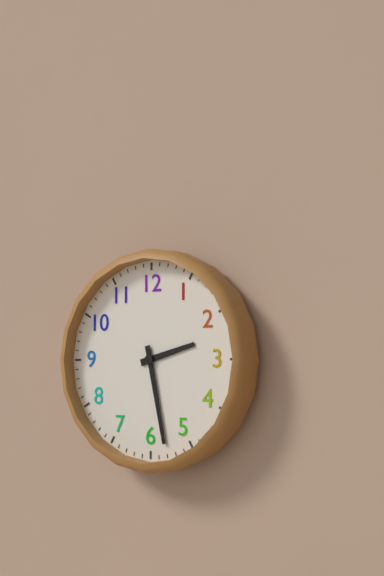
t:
2:28
